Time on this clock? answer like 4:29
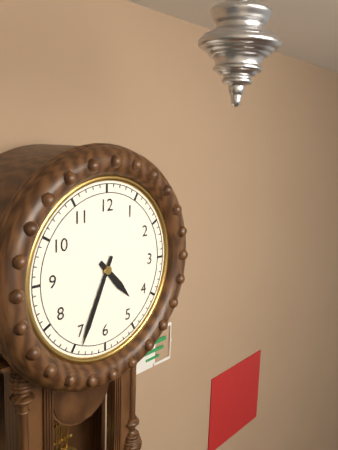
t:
4:34
